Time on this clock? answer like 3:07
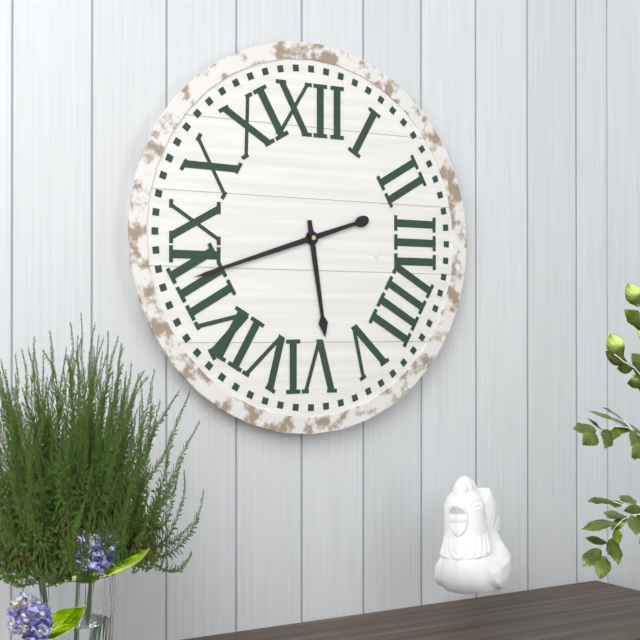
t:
5:42
